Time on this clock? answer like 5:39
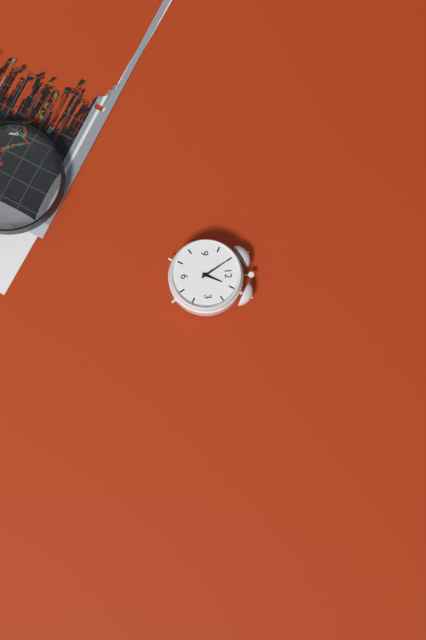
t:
12:55
